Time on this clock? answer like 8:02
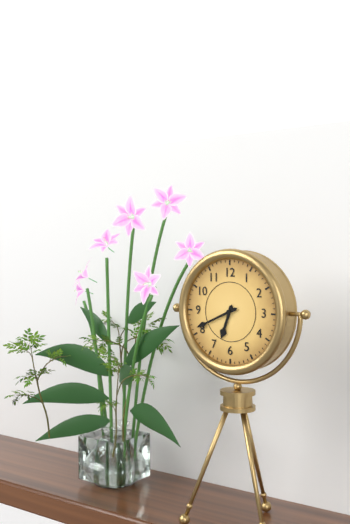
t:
6:41
